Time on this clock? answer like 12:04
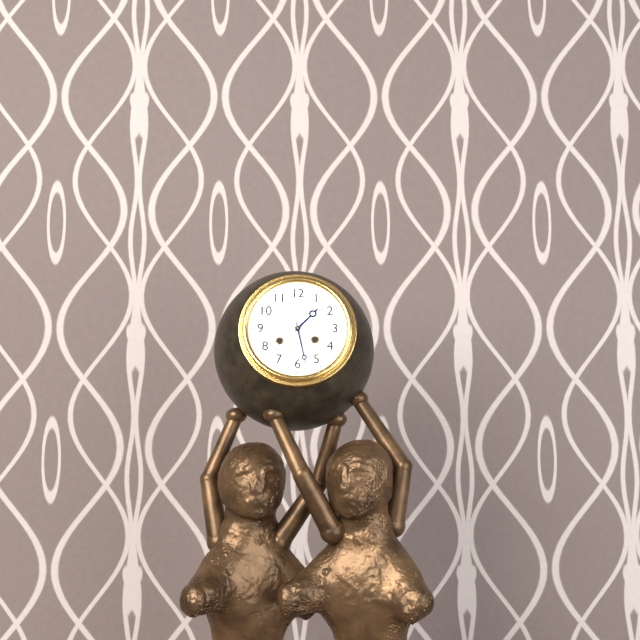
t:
1:28
